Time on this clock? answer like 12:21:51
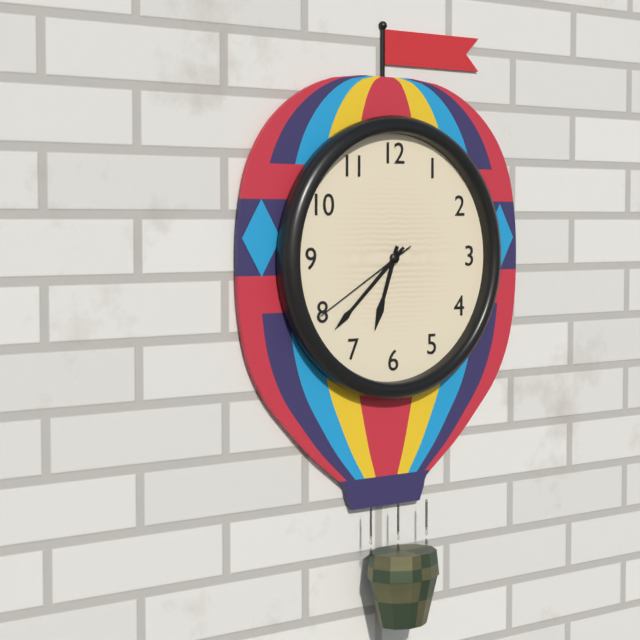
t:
6:38:40
